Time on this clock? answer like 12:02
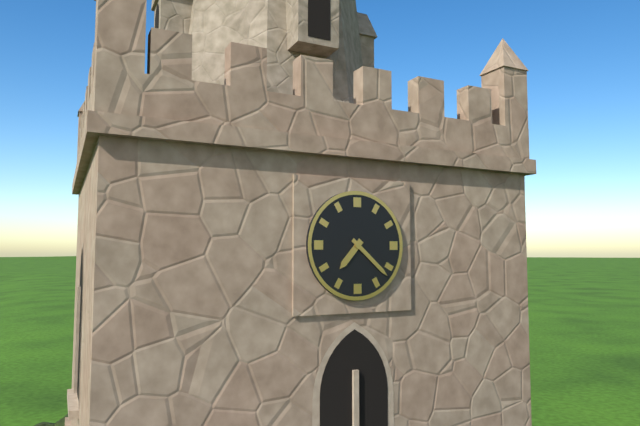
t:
7:22
